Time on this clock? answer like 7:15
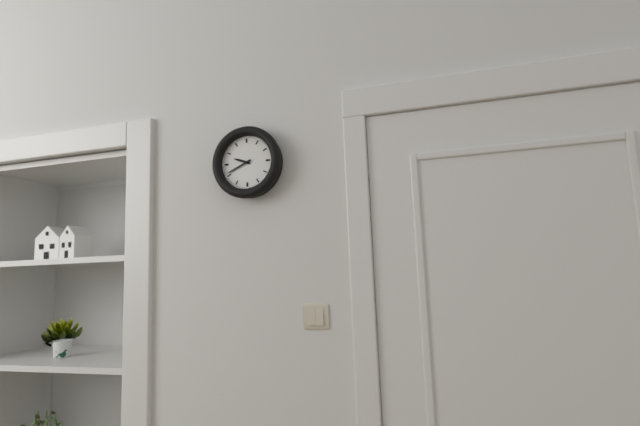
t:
9:41
